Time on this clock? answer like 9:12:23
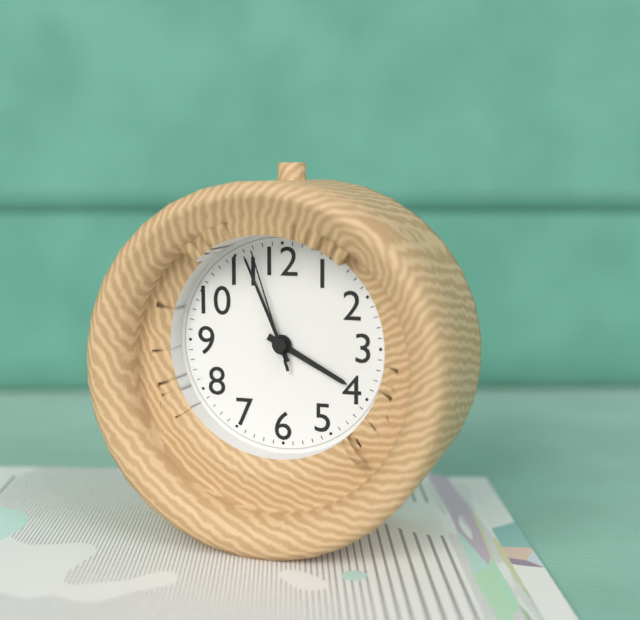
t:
3:56:57
